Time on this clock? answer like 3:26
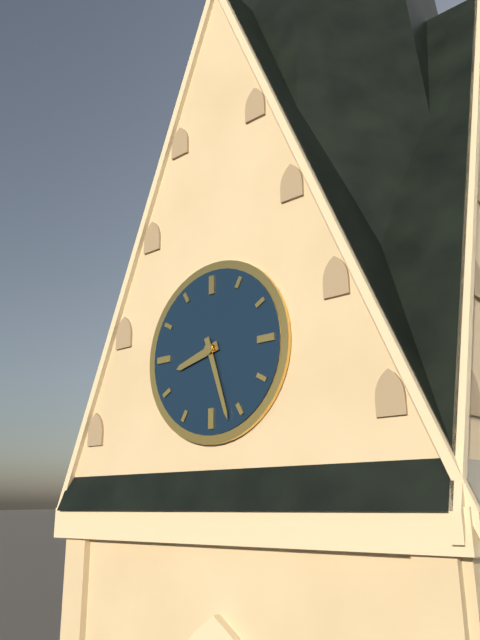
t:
8:27
